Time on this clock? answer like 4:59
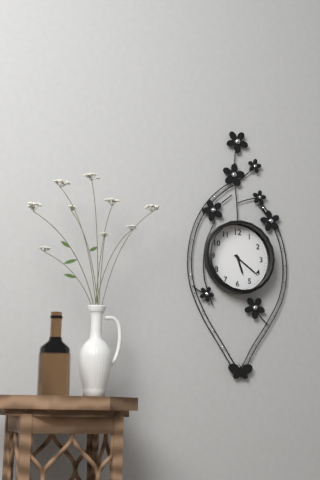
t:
5:21
